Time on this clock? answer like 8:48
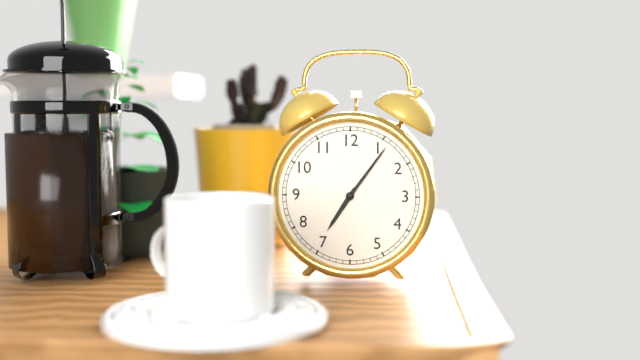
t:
7:06
